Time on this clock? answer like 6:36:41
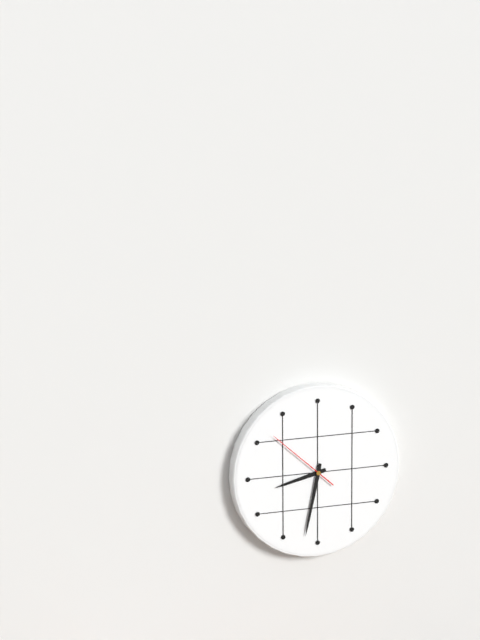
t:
8:32:52
